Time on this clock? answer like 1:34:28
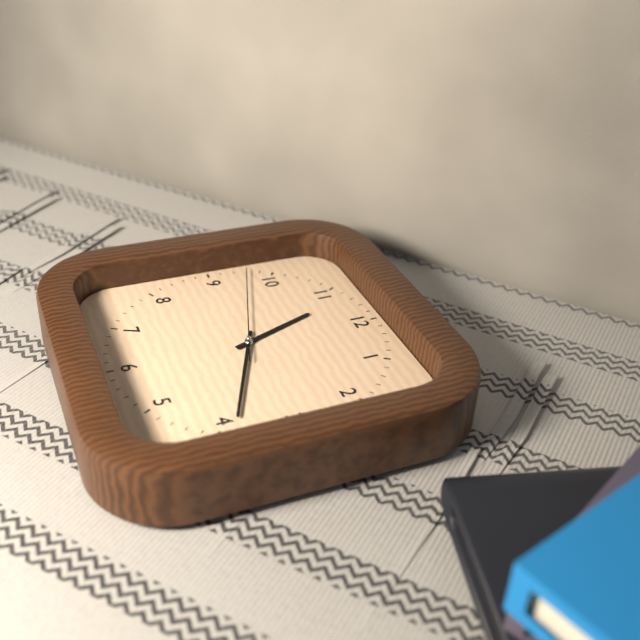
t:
11:19:48
